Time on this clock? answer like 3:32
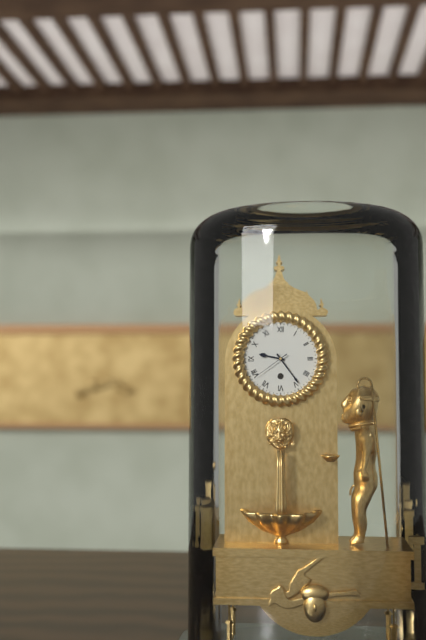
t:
9:24
